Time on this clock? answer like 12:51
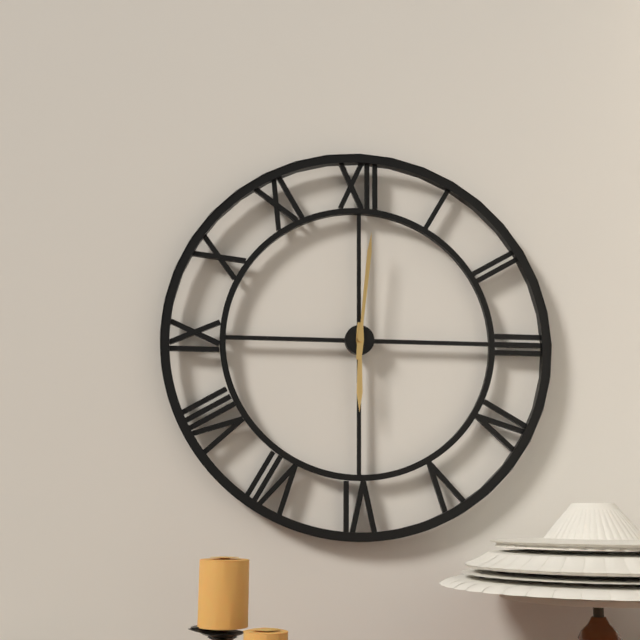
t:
6:01
